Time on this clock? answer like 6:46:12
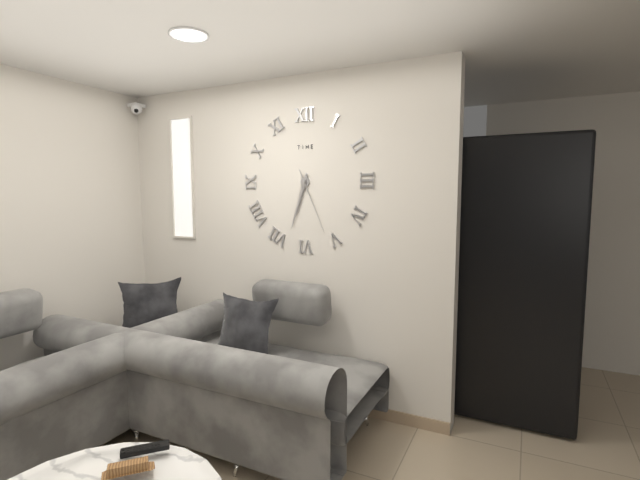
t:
6:33:26
